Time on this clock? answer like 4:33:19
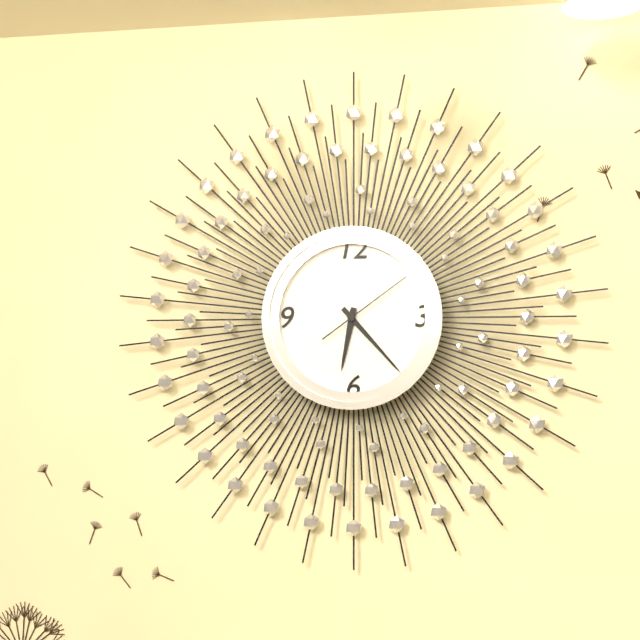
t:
6:23:09
